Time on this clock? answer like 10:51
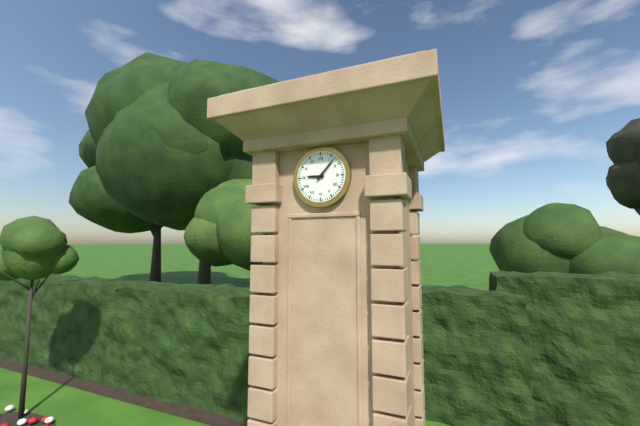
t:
9:07
